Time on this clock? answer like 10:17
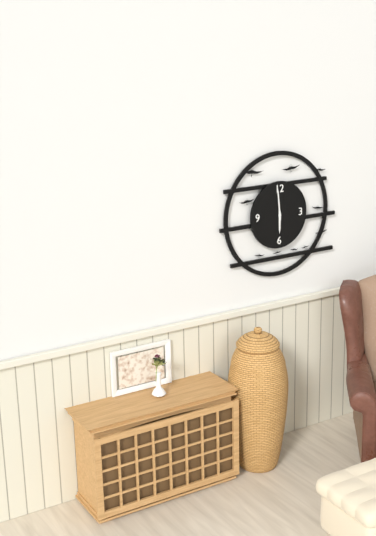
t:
5:59
